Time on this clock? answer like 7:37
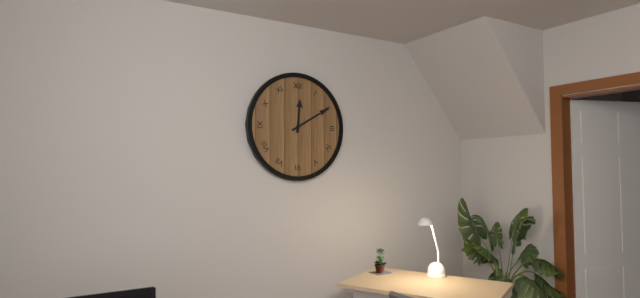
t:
12:10
